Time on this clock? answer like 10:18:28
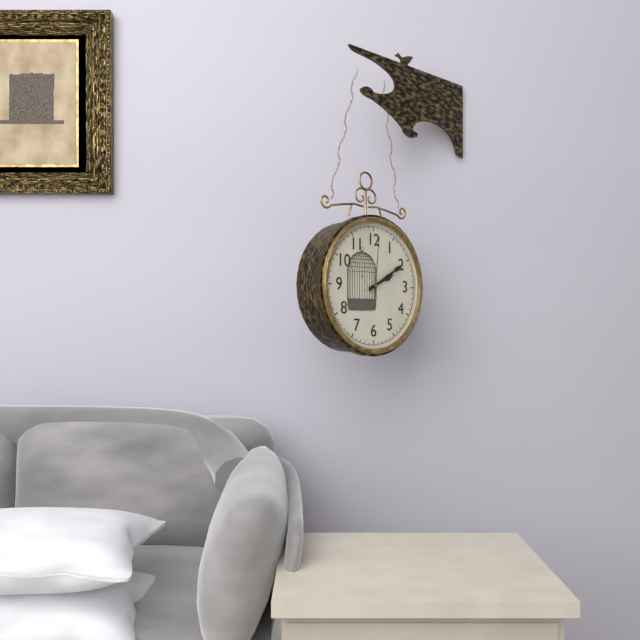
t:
2:10:01
